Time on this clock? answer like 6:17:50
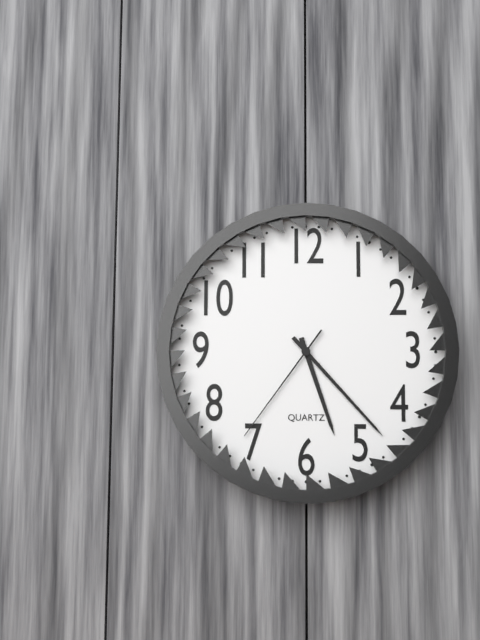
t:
5:23:36
